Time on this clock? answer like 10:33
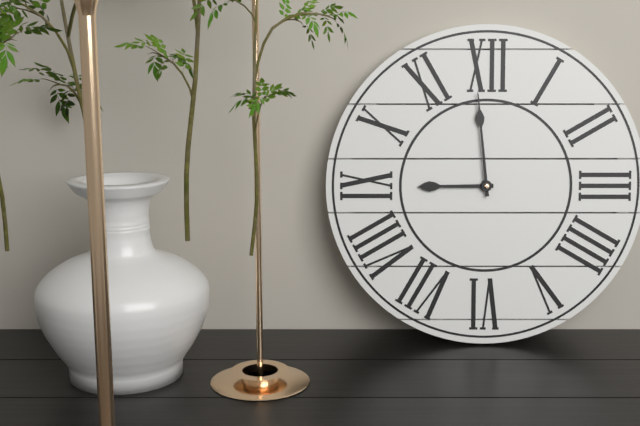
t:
8:59
